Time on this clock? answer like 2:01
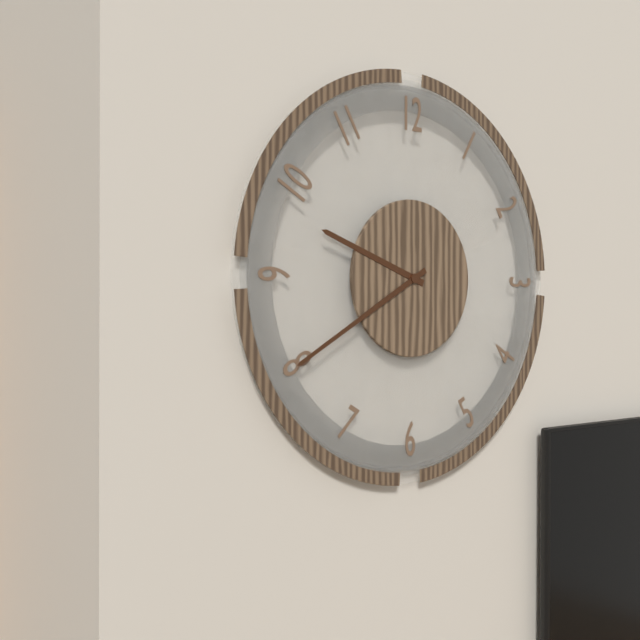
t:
9:40
